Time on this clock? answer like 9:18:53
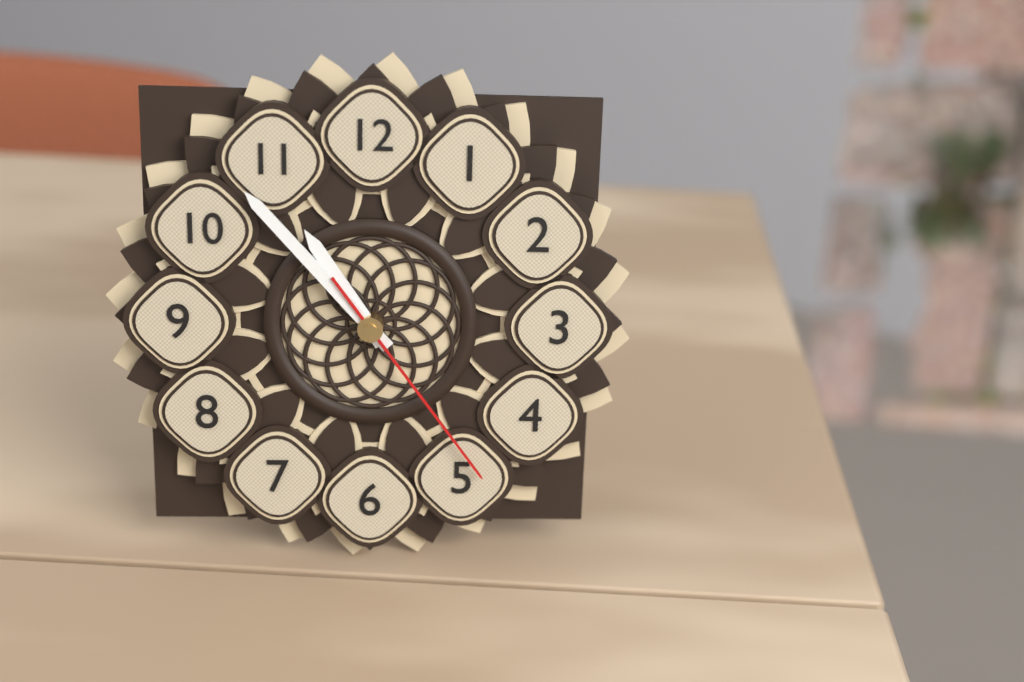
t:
10:53:24
